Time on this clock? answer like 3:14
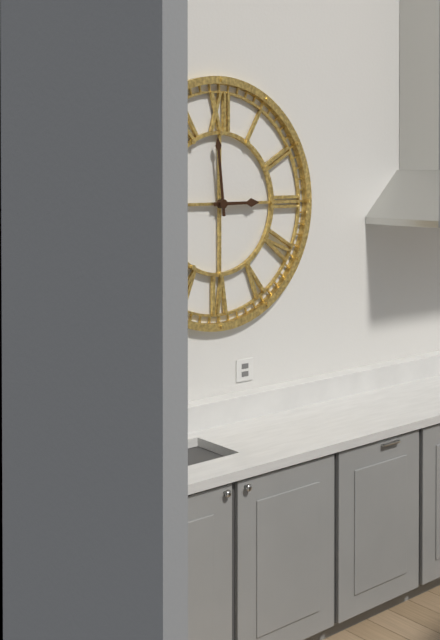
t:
2:59
